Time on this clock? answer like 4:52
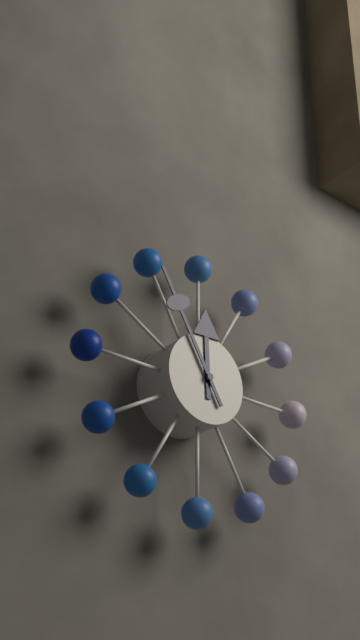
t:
11:55
